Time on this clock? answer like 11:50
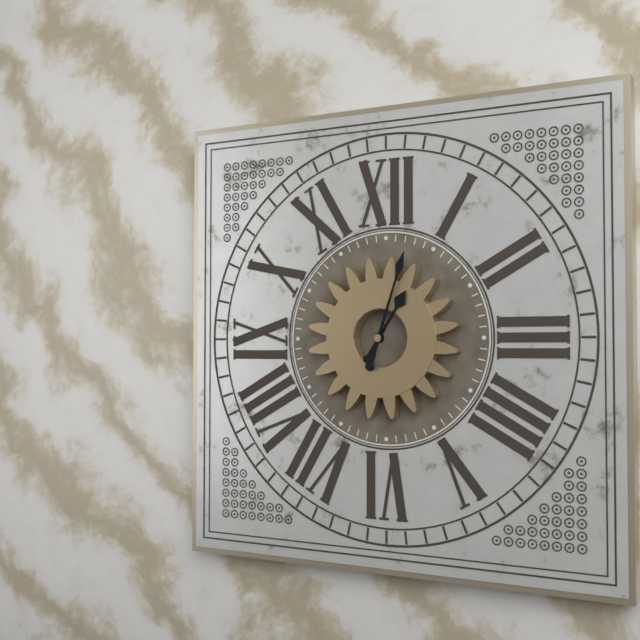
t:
1:03
